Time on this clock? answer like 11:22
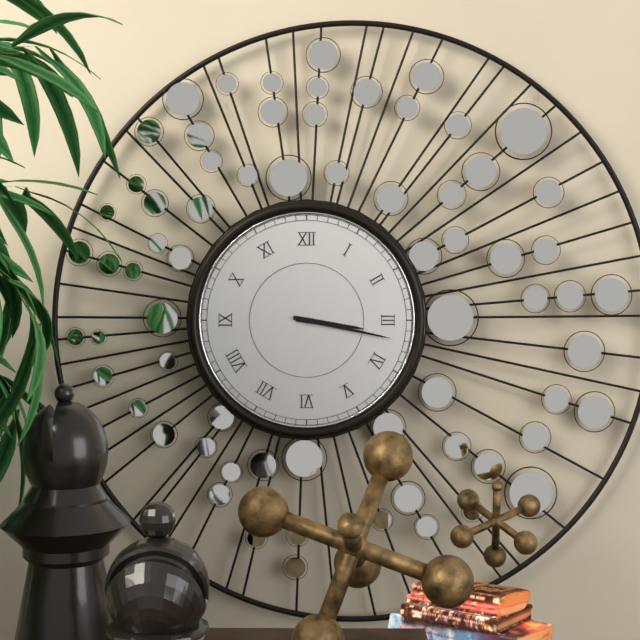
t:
3:17
